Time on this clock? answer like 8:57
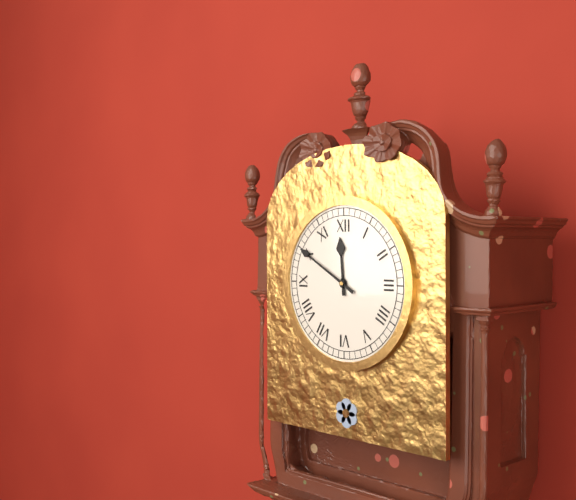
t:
11:50
